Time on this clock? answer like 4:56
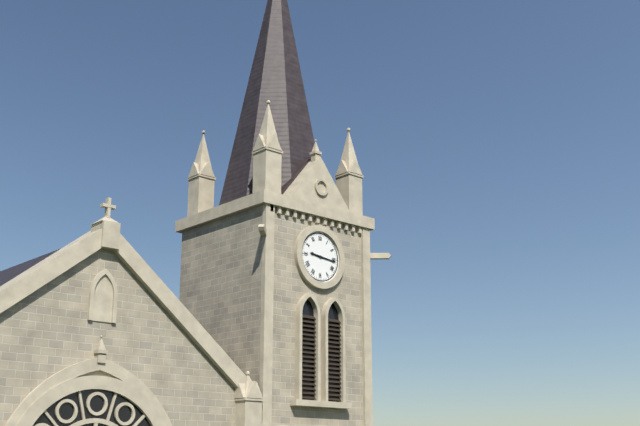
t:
9:16
